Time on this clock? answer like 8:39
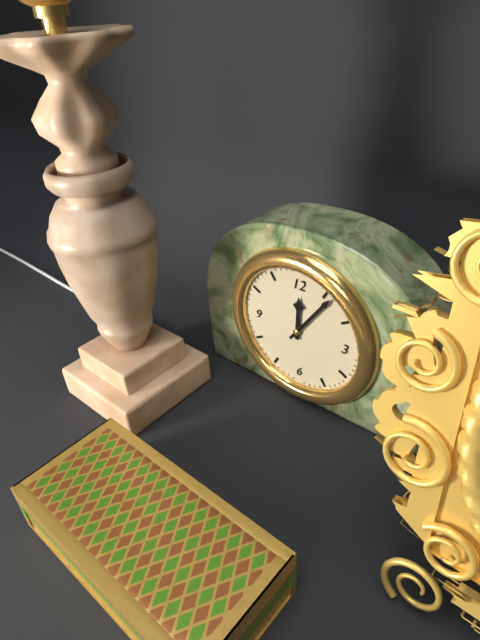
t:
12:06
